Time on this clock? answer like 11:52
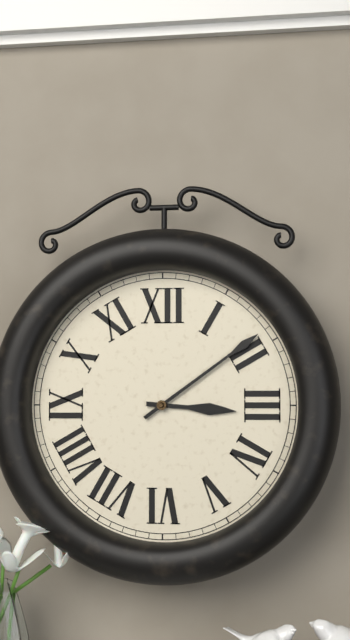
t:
3:09
